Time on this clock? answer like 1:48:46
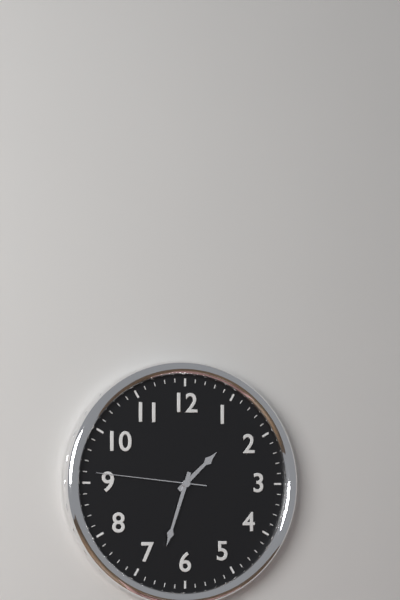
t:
1:33:46
